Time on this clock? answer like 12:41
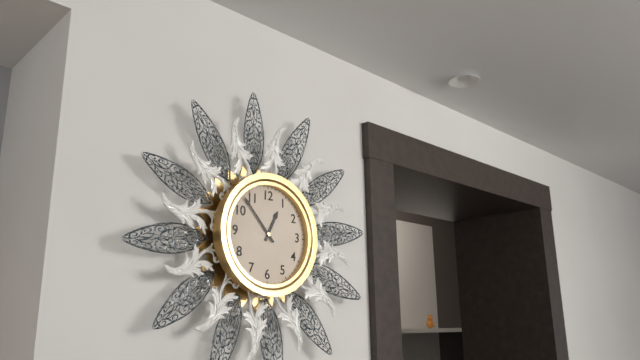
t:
12:53
